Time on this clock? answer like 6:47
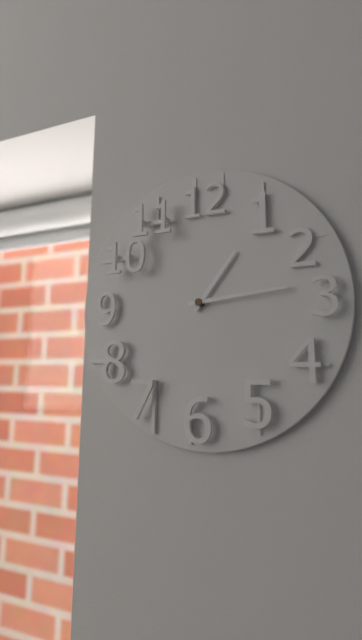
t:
1:14
